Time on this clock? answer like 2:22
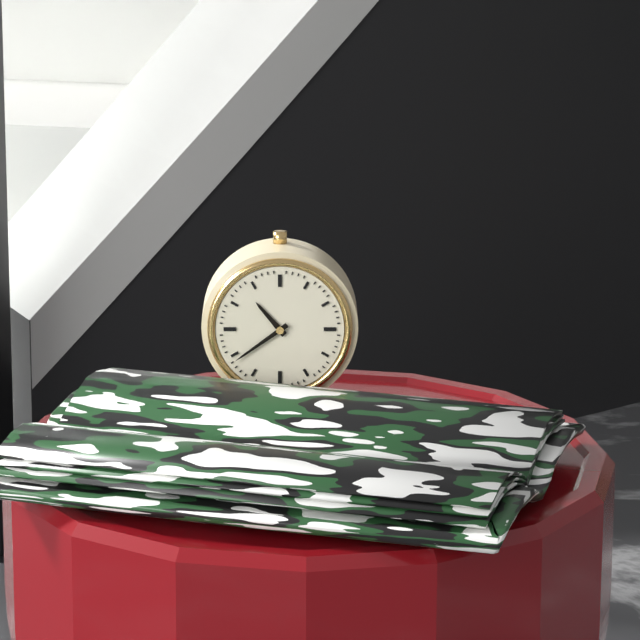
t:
10:39
